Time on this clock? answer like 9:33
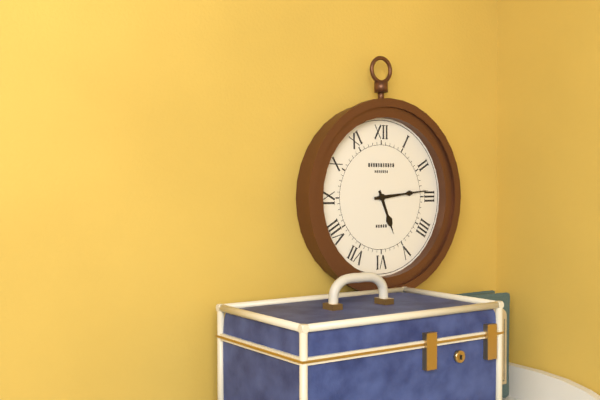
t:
5:14
